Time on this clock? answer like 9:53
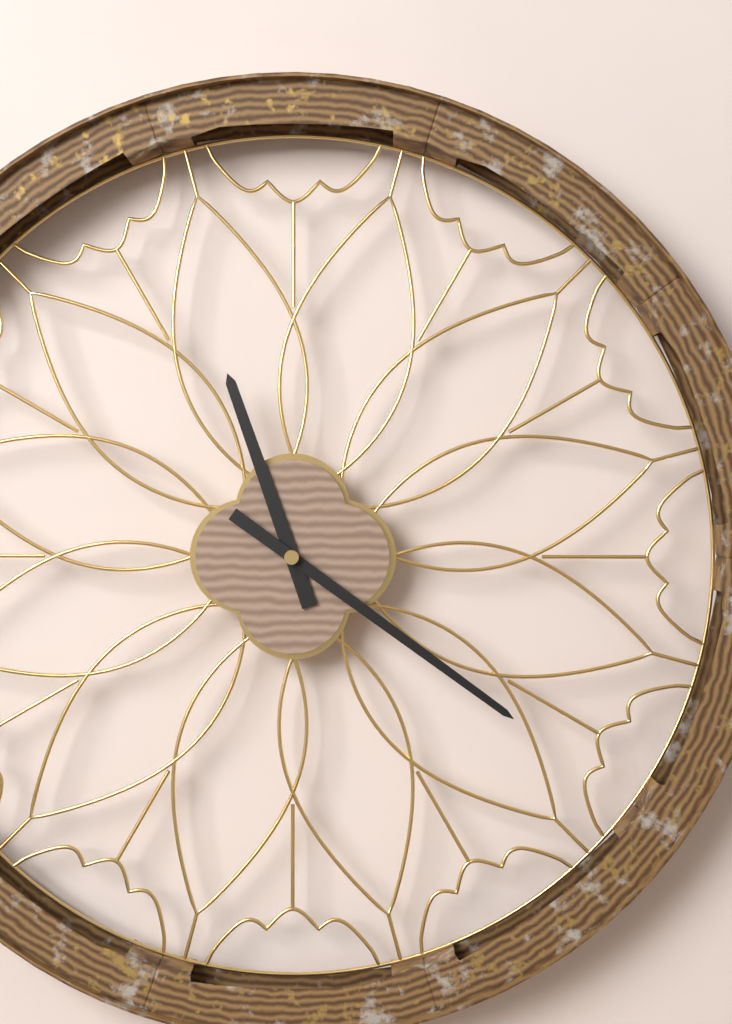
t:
11:21
